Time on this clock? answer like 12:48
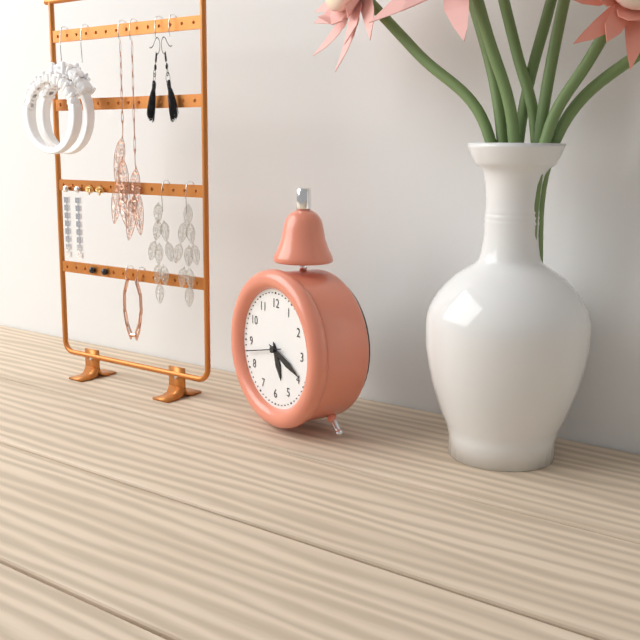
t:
5:19
